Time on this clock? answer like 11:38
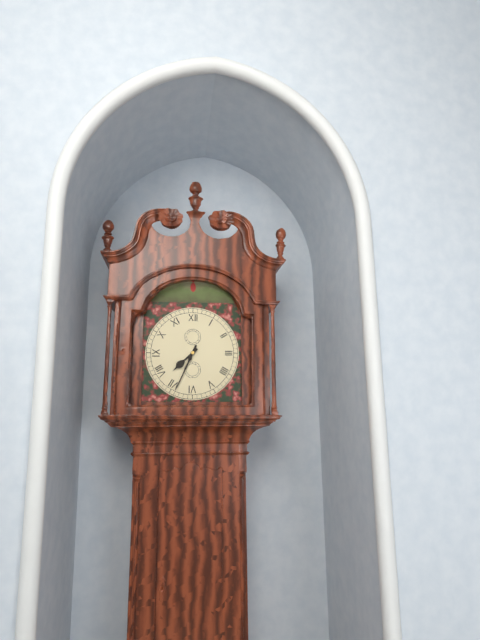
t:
7:34
